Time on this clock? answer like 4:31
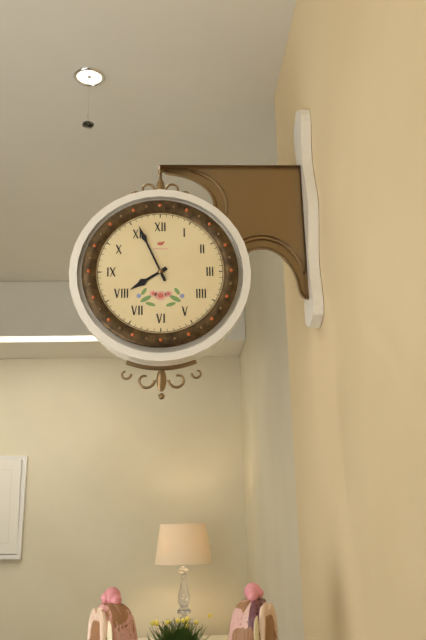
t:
7:56
